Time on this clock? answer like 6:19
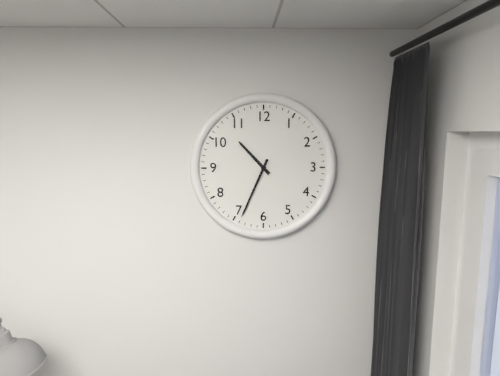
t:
10:34
